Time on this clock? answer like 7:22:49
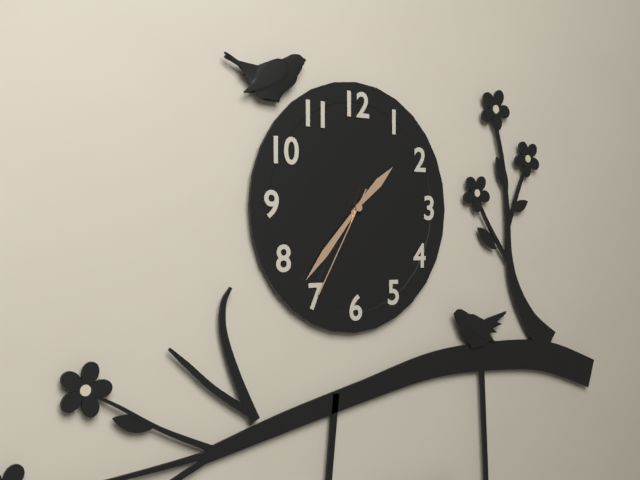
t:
1:37:35
